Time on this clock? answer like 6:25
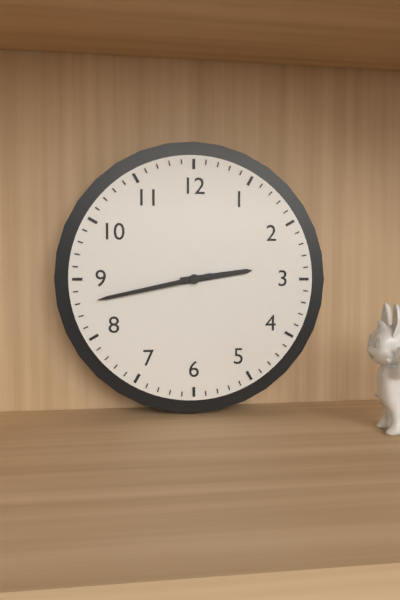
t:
2:43
